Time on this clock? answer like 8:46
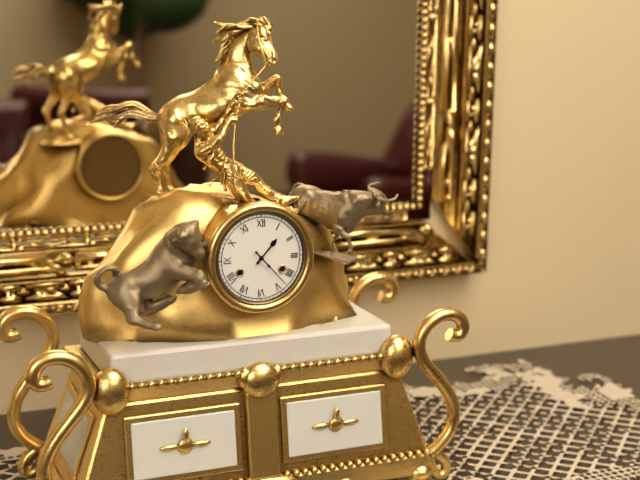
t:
1:23
